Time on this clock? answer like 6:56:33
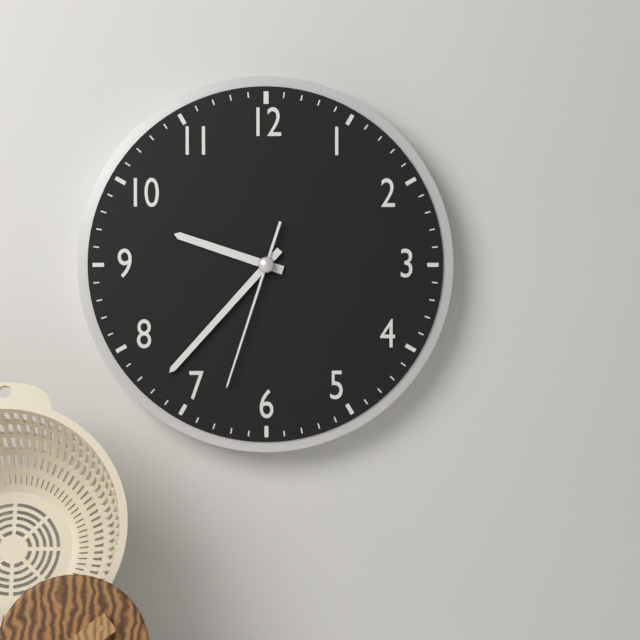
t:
9:37:33
